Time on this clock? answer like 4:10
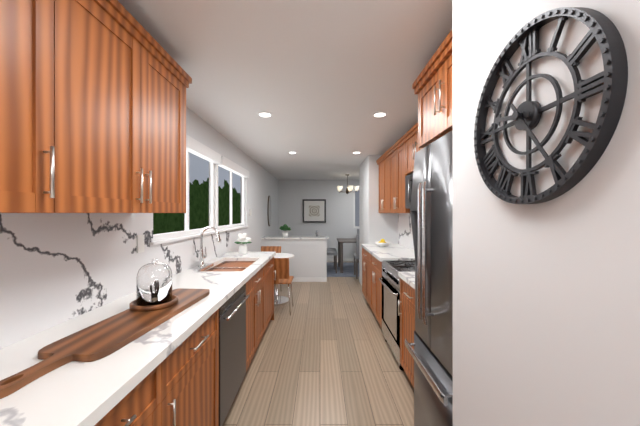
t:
9:24
